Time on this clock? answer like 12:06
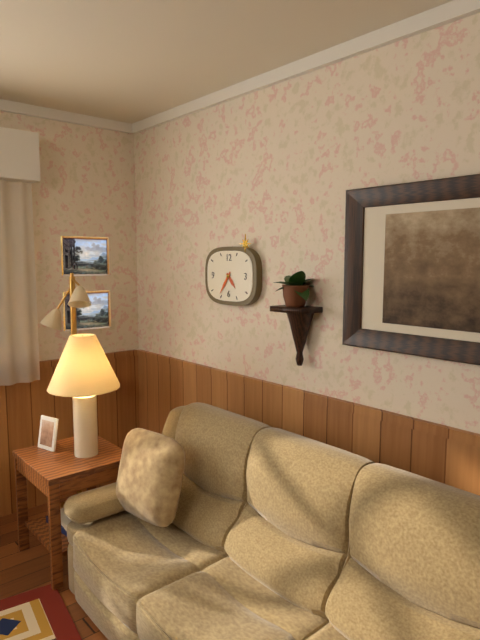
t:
4:36
